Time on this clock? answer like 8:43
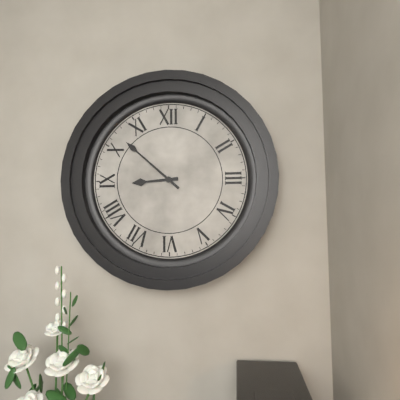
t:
8:52
